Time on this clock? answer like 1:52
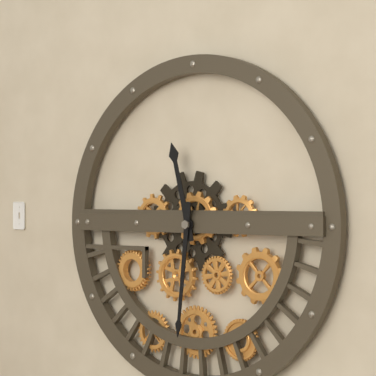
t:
11:31
